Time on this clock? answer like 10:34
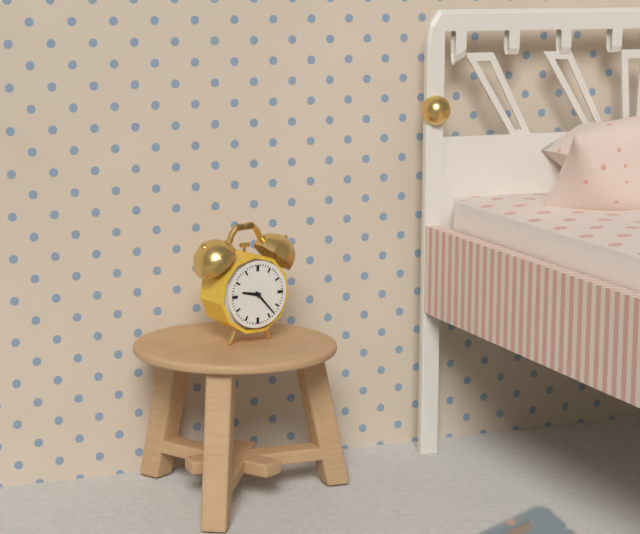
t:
9:23
